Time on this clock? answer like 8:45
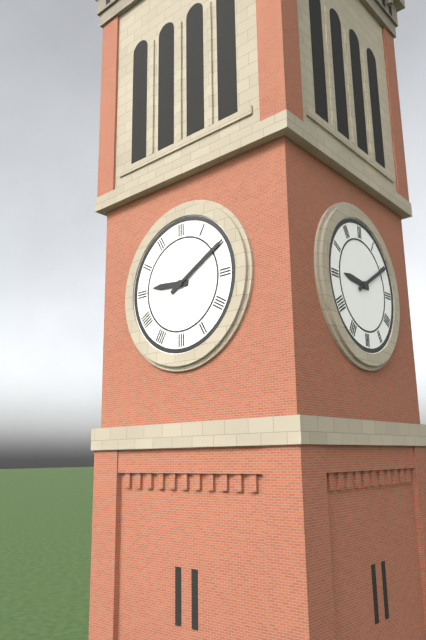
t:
9:10
